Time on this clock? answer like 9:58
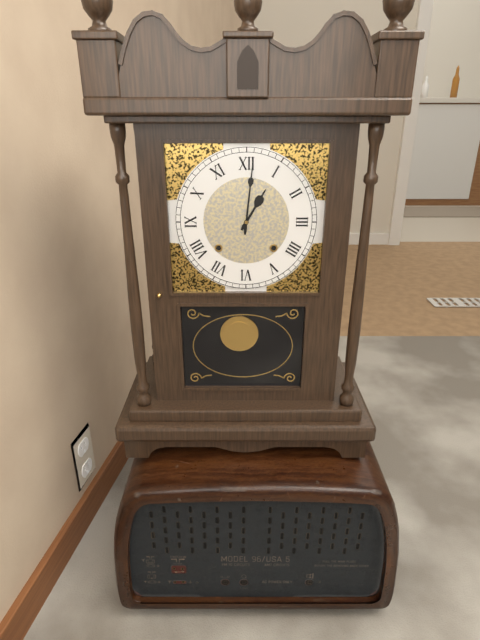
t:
1:01
